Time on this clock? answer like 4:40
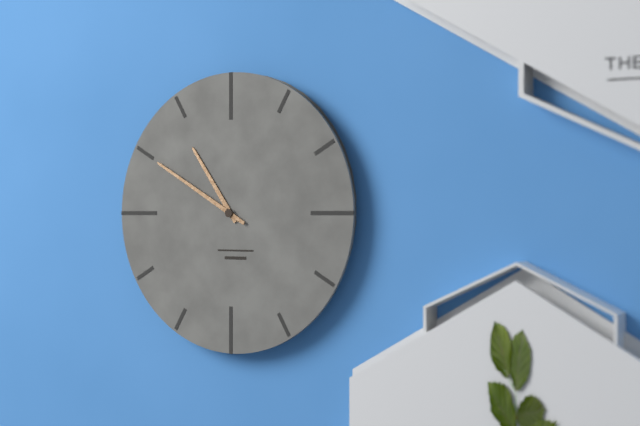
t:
10:50
